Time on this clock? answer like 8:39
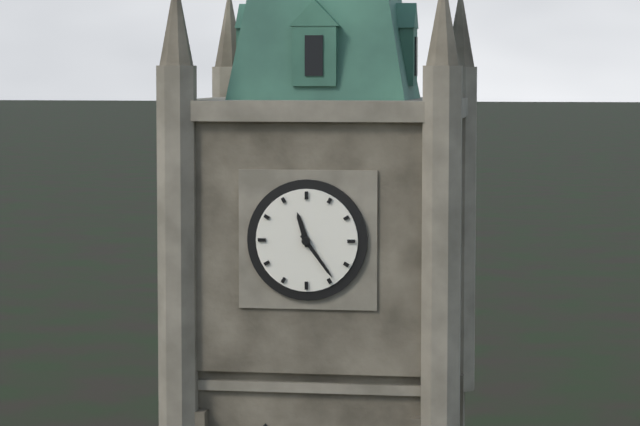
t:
11:24
